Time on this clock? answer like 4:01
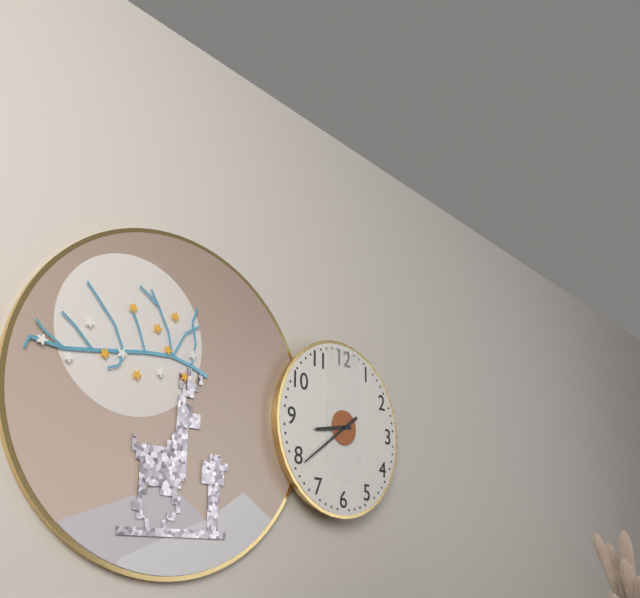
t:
8:39
